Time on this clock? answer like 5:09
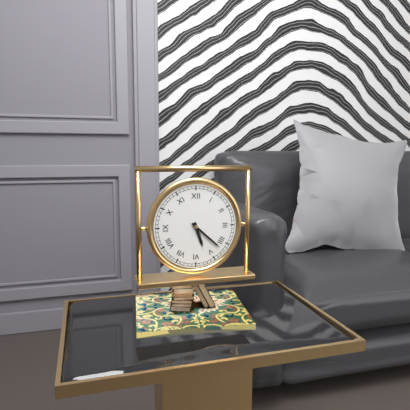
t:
5:22
